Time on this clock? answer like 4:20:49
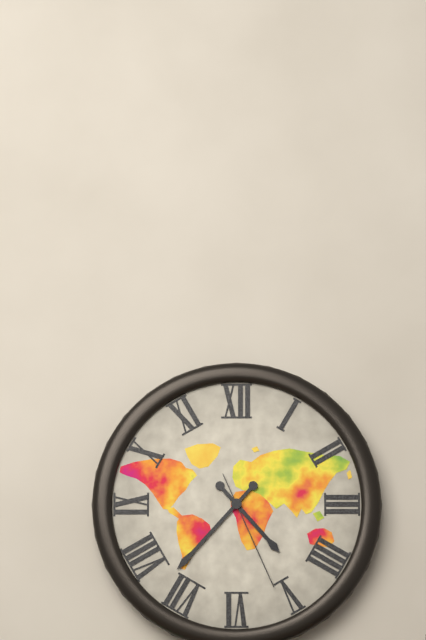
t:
4:37:26
